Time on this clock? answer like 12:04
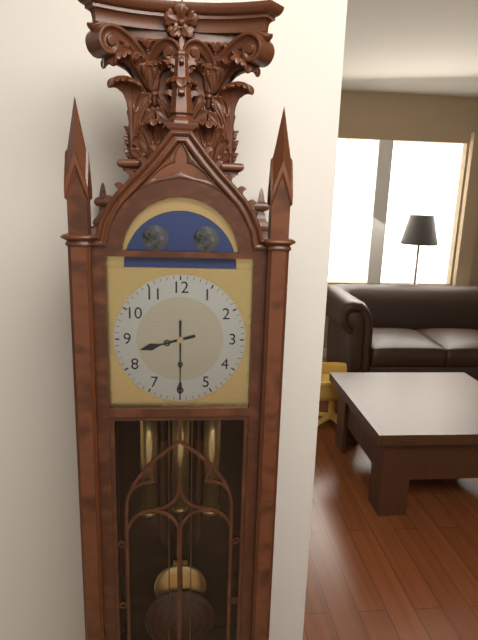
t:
8:30
